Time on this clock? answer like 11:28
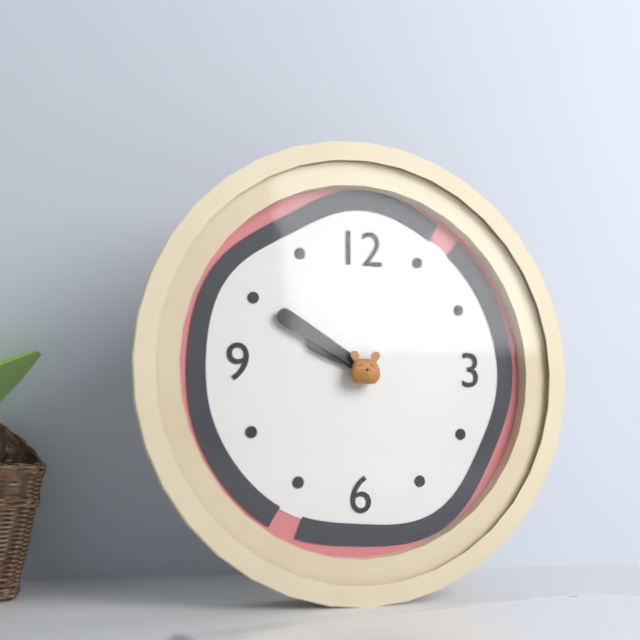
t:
9:50
